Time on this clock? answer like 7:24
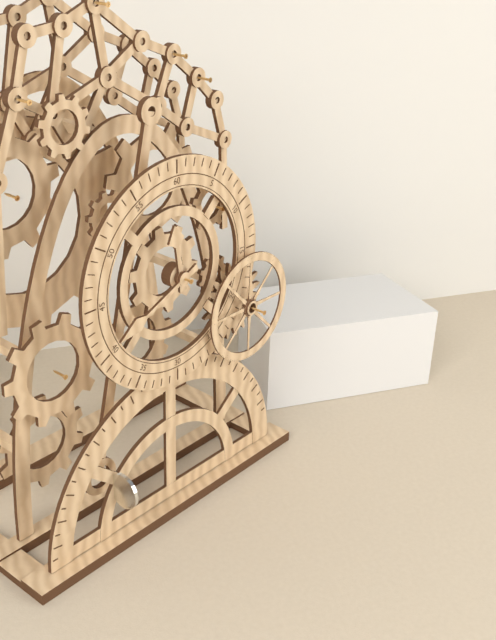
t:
11:41
